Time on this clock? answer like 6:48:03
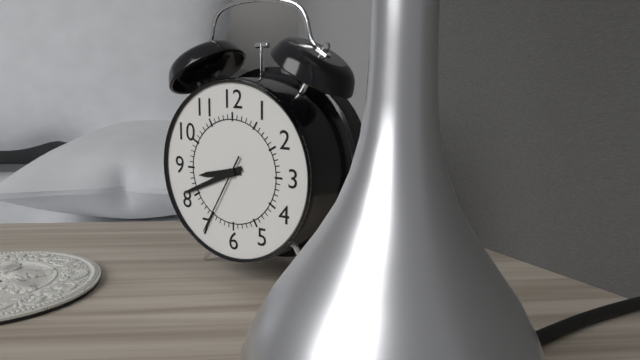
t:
8:41:35
